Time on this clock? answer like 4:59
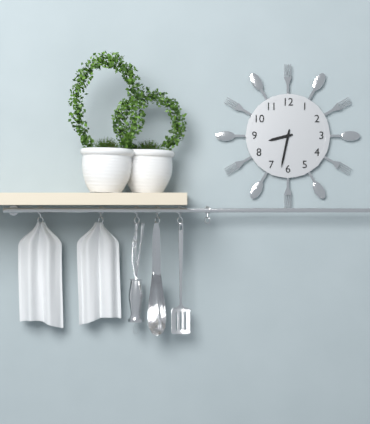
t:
8:32
